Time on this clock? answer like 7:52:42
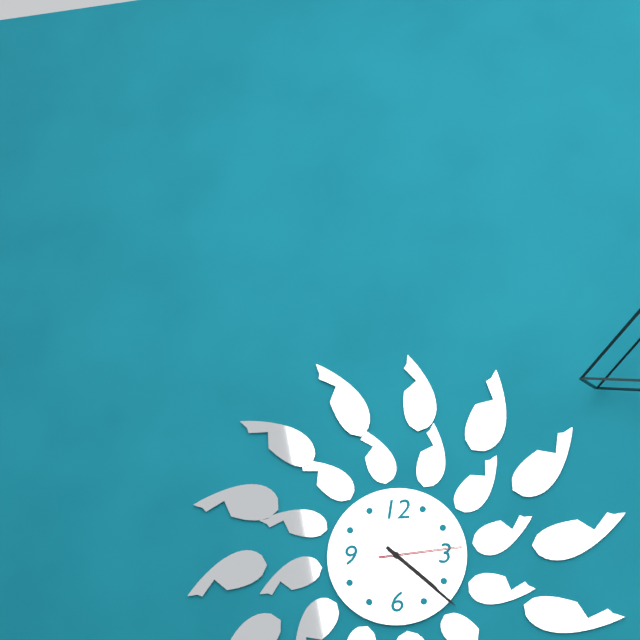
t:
4:22:14
